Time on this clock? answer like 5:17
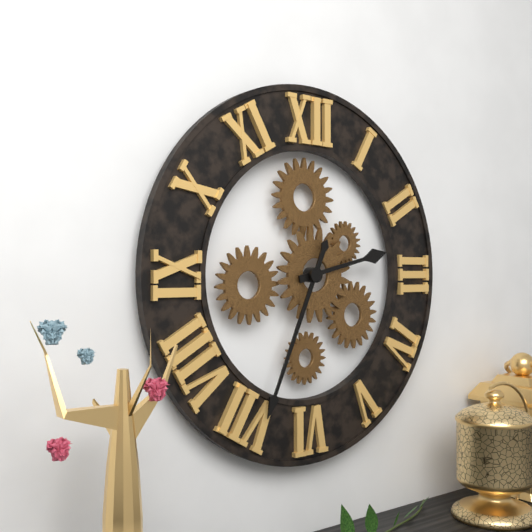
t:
2:34
